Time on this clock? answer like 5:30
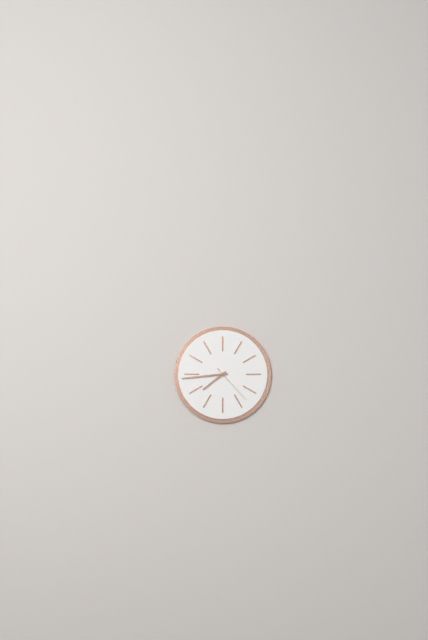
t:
7:44
